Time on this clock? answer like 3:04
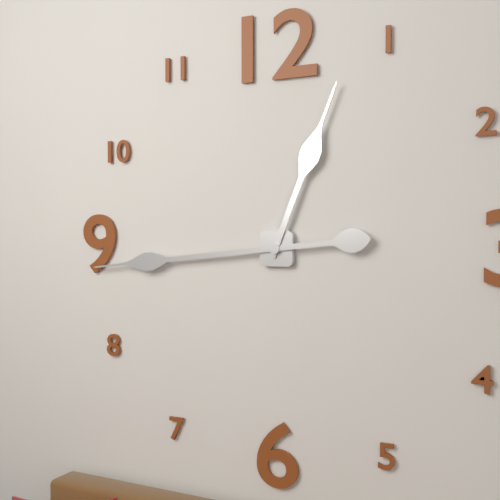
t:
12:44
